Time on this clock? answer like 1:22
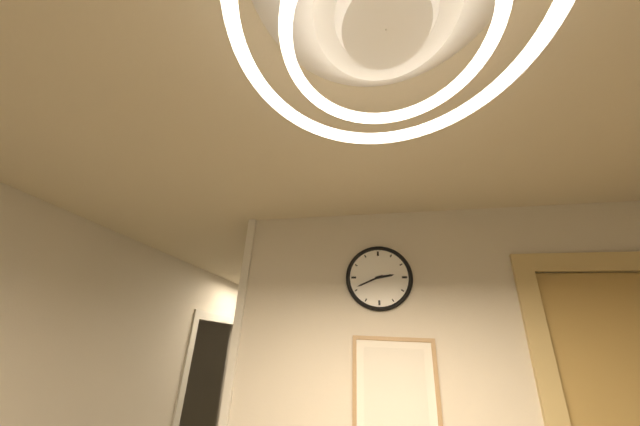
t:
2:41
